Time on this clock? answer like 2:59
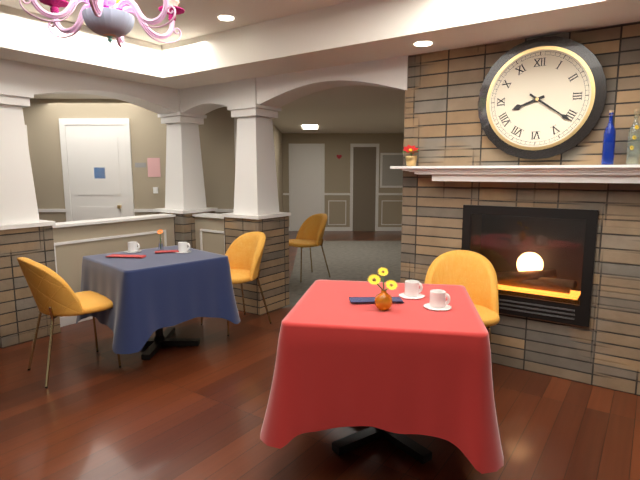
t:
8:21
